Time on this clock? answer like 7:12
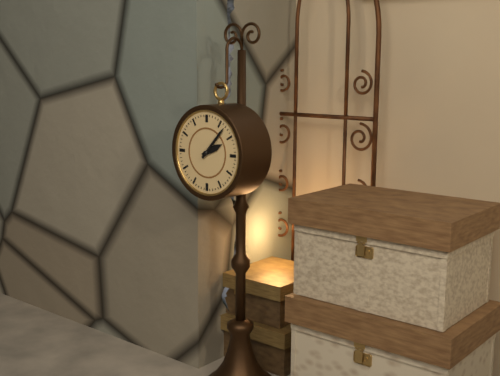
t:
2:07
